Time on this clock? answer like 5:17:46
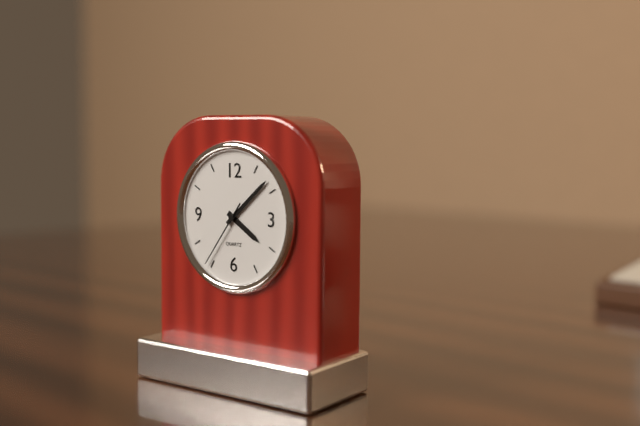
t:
4:08:36
